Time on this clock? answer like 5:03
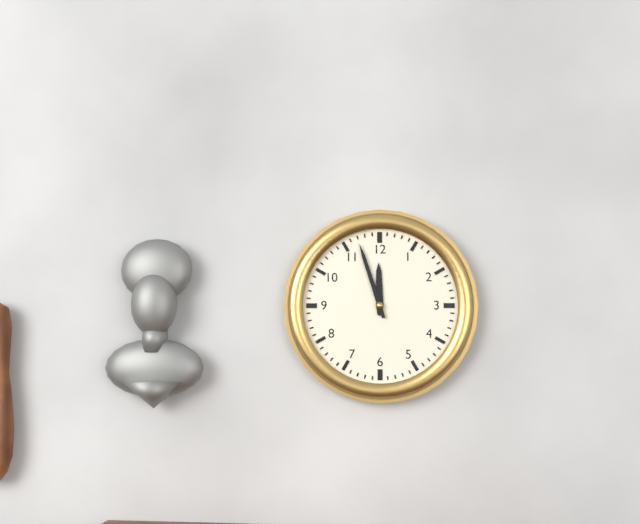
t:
11:57
